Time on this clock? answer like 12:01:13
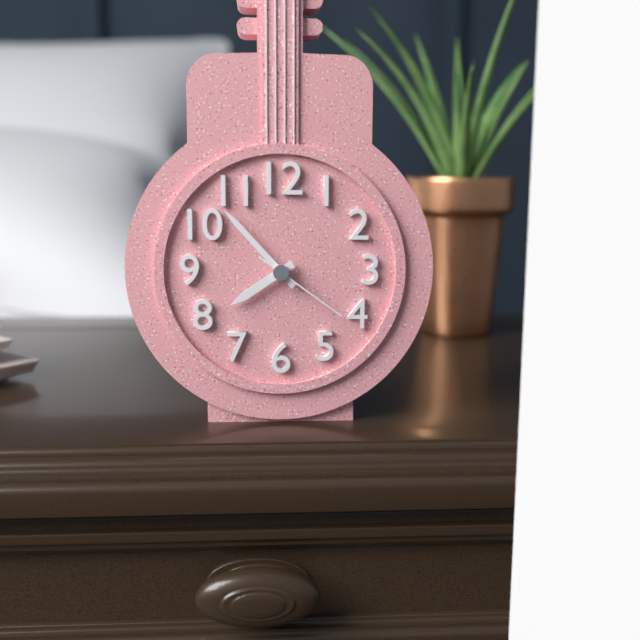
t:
7:53:21
